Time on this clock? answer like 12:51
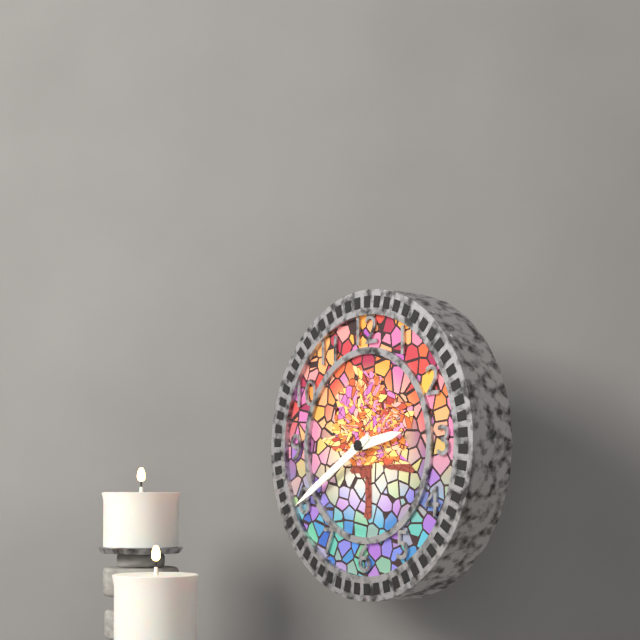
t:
2:40
